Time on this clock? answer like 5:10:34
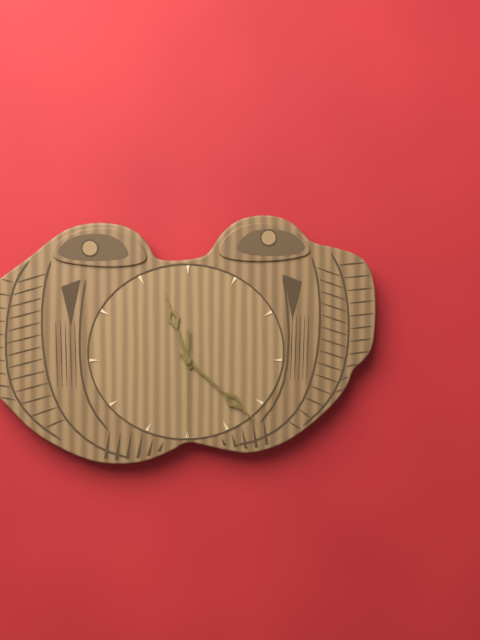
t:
11:22:30
